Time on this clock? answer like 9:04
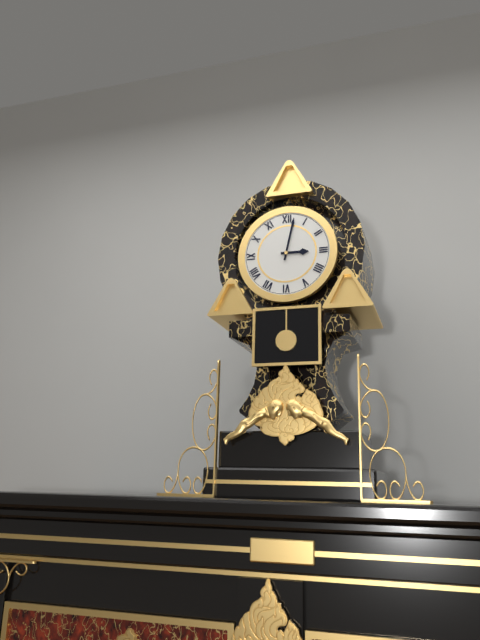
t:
3:02
